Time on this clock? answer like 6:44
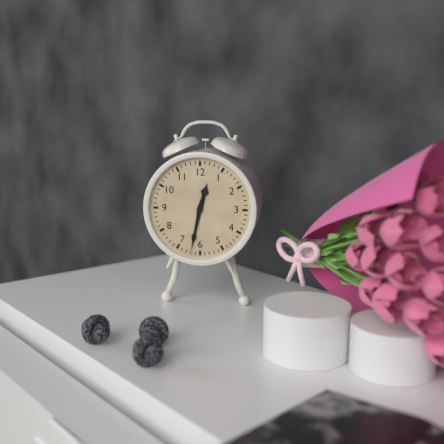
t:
12:32
